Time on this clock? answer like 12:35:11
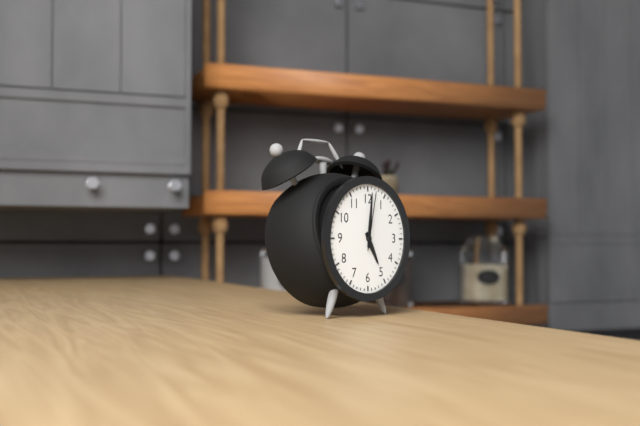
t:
5:01:02
